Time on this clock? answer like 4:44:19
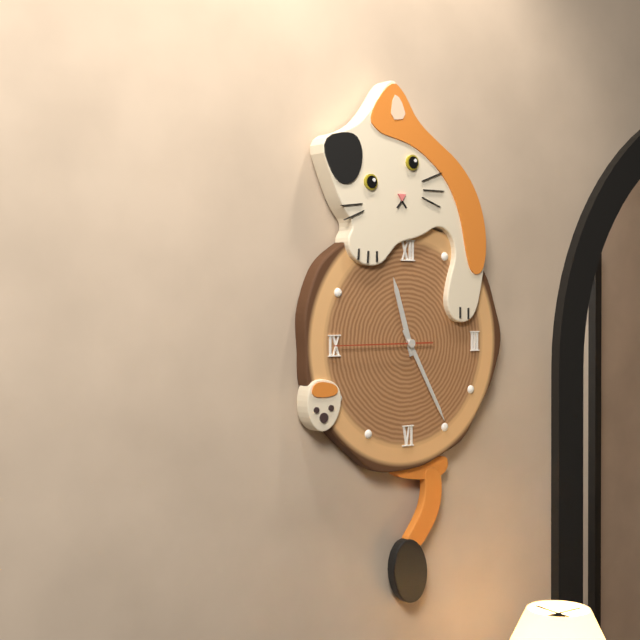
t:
11:25:45
